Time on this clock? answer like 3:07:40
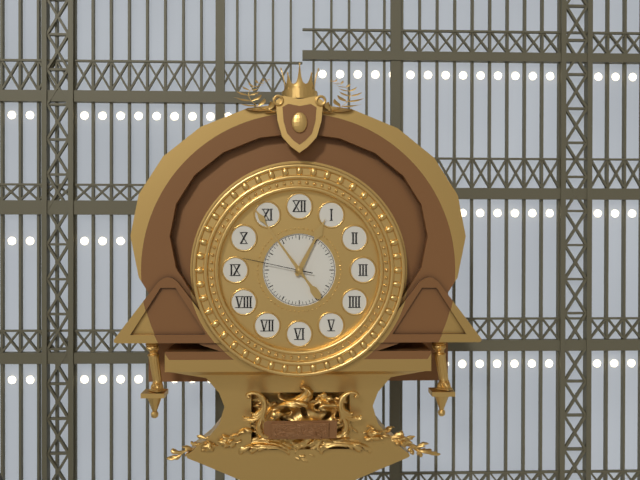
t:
12:54:47
